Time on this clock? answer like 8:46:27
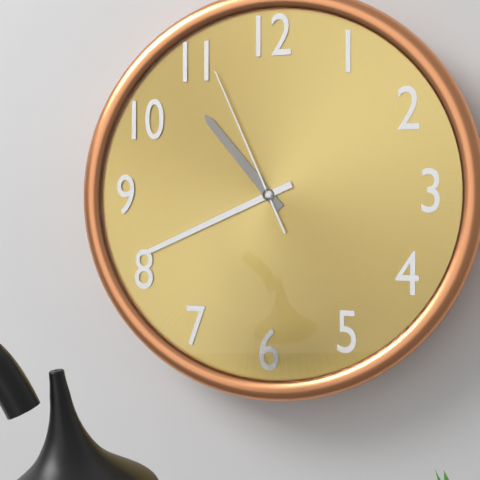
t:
10:41:56
